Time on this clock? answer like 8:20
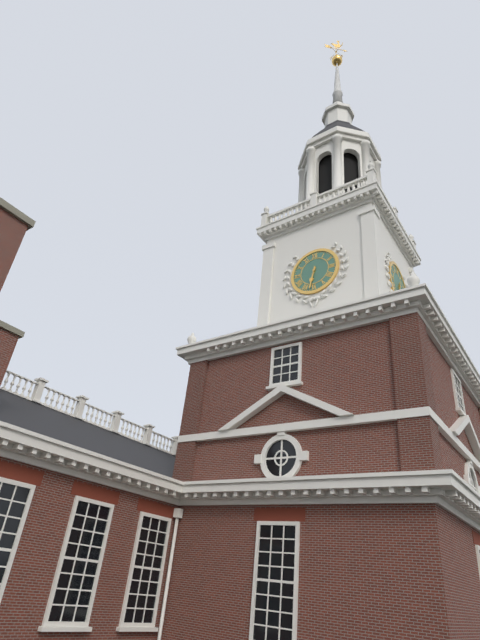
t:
6:32
